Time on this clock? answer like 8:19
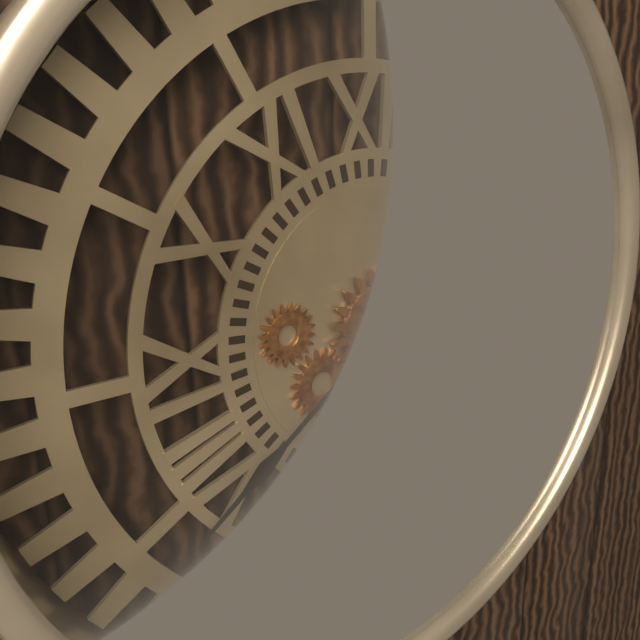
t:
4:39
